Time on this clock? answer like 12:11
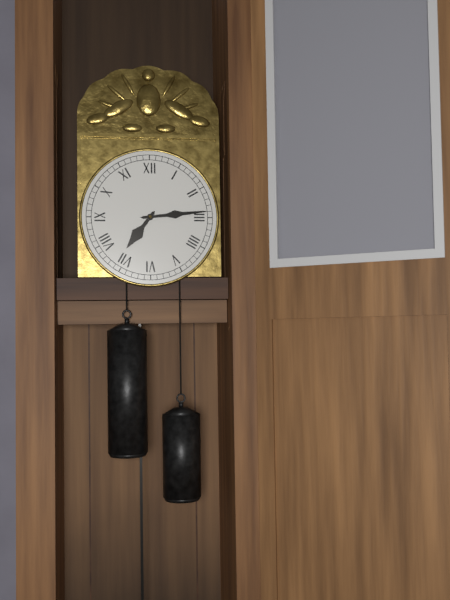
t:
7:14
